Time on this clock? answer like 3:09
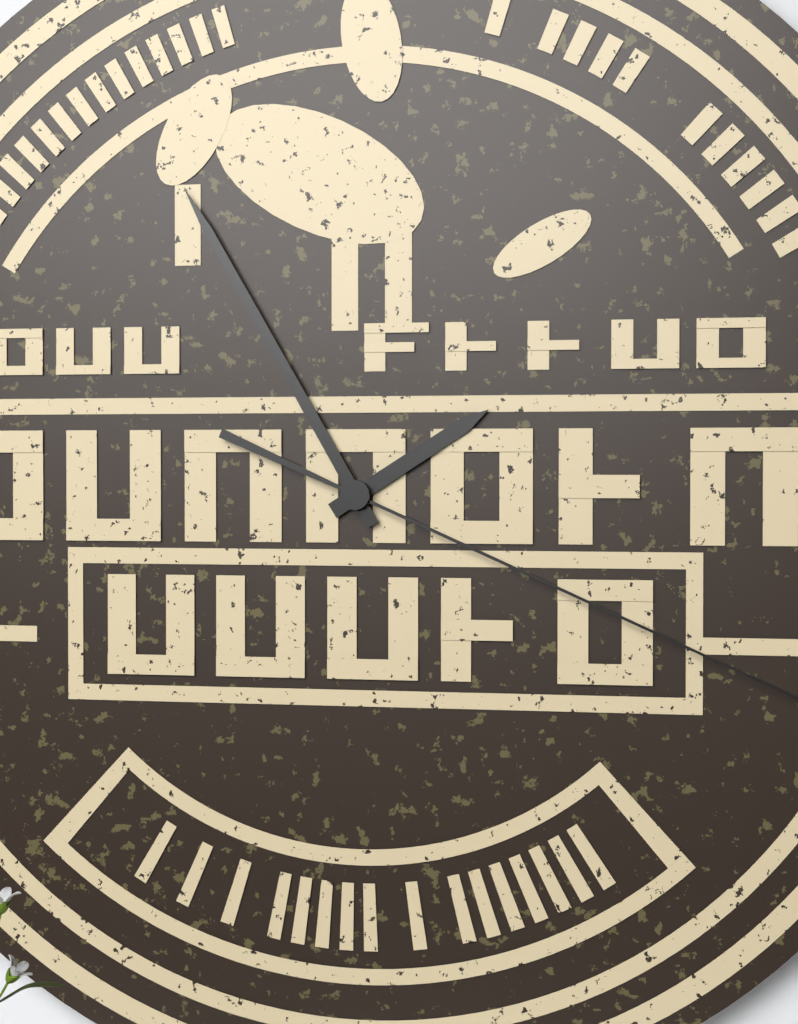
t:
1:55
